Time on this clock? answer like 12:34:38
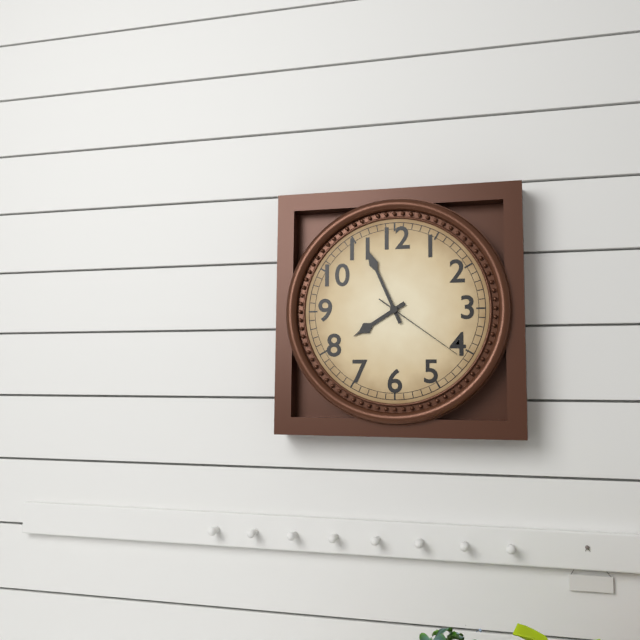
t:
7:56:21
